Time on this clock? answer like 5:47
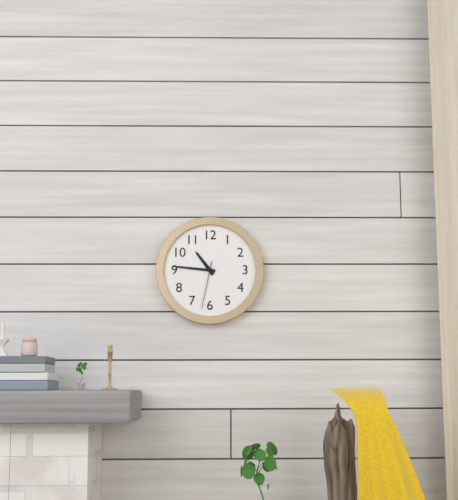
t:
10:46
